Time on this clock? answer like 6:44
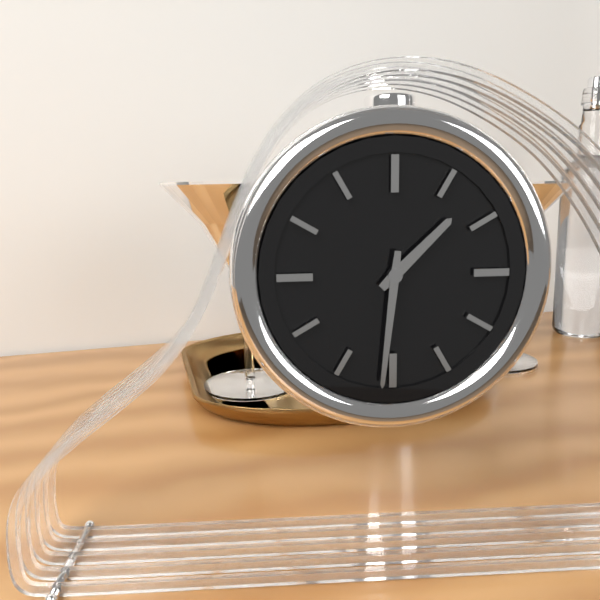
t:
1:31
